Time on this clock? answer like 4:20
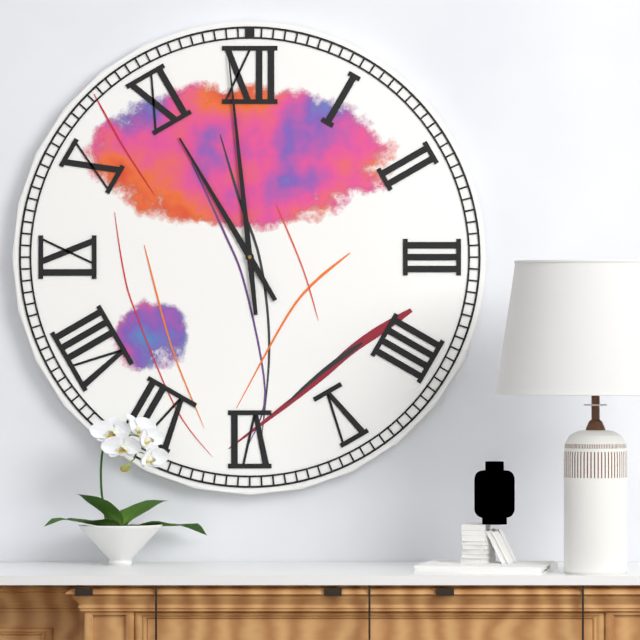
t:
10:59
